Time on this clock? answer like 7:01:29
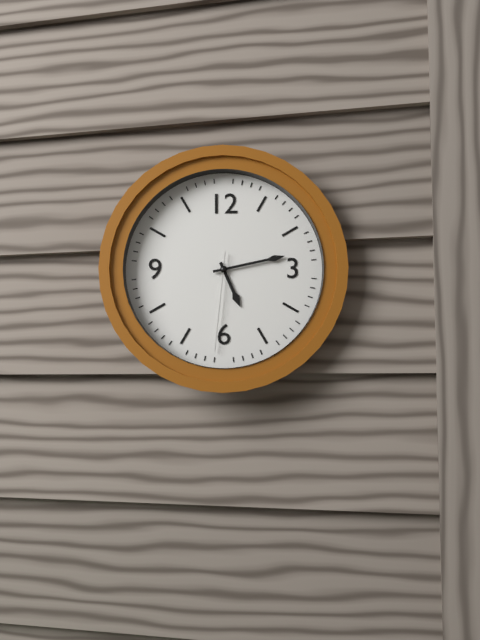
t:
5:13:31
